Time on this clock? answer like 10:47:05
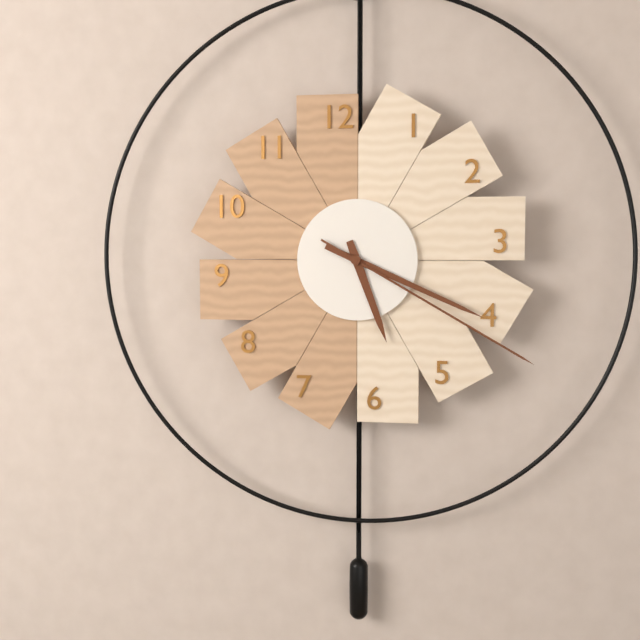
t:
5:19:20
